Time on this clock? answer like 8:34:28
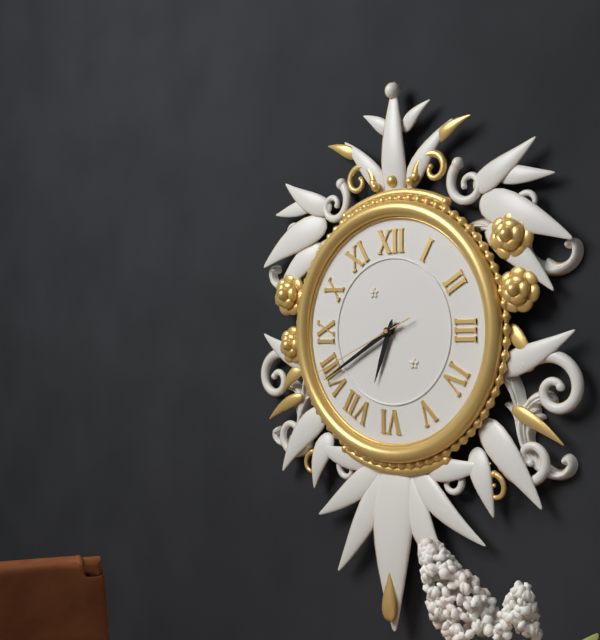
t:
6:40:41
